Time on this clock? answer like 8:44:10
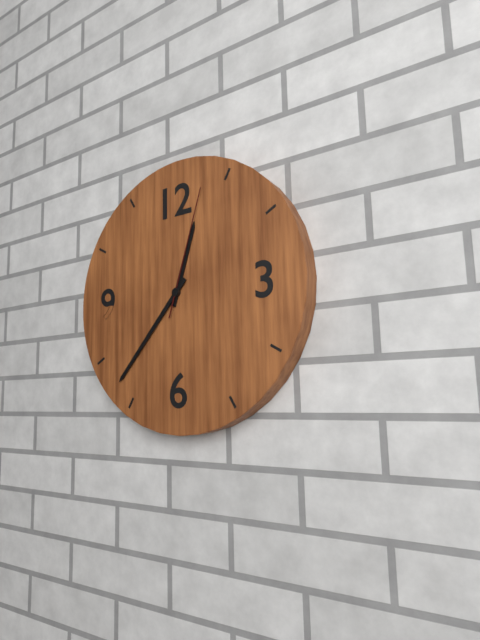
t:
12:37:03
